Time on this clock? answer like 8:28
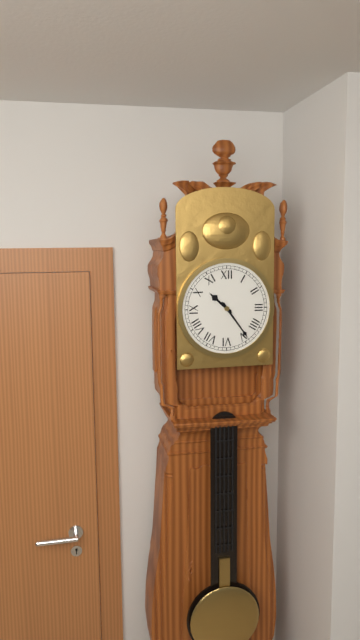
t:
10:24
